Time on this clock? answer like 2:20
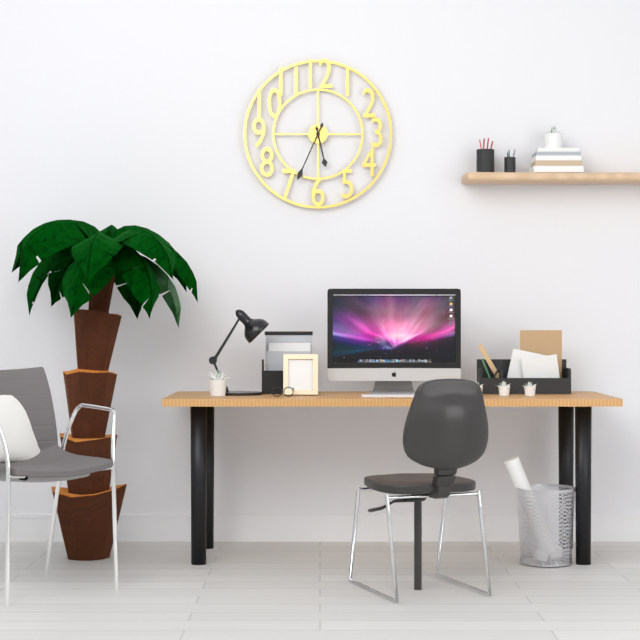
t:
5:34
